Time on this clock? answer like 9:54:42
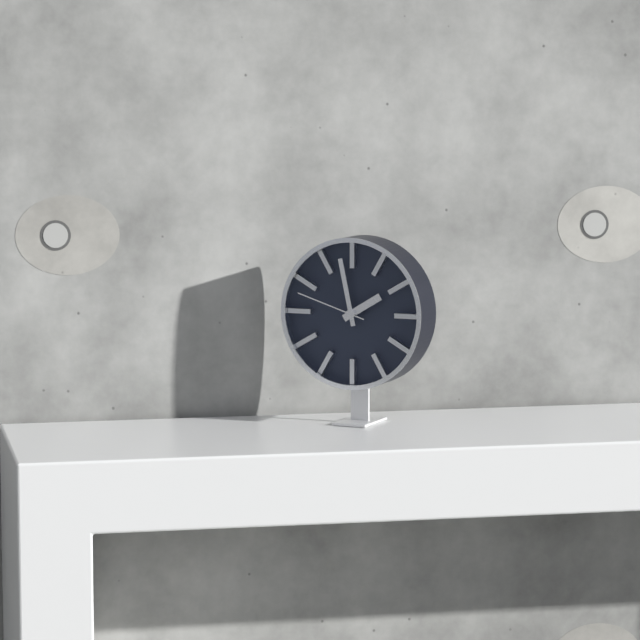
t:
1:58:48
